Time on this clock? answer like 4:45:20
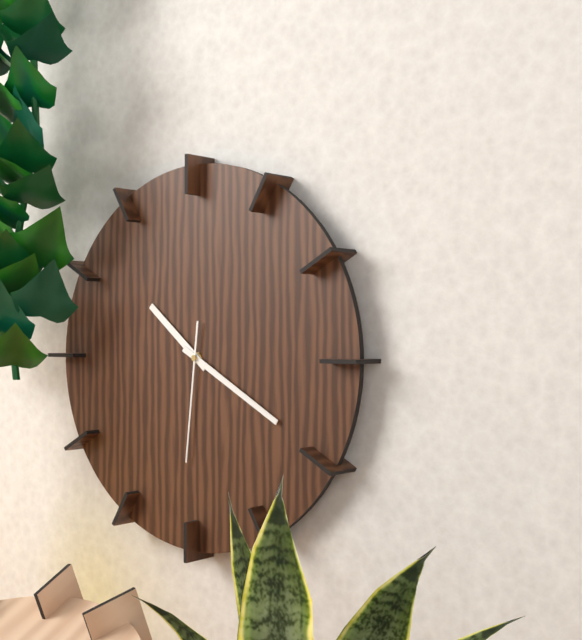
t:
10:20:31
